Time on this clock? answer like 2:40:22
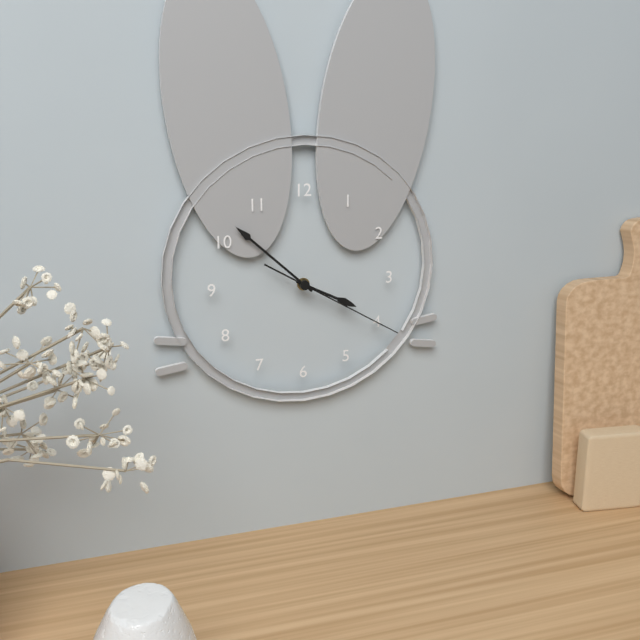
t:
3:52:20
